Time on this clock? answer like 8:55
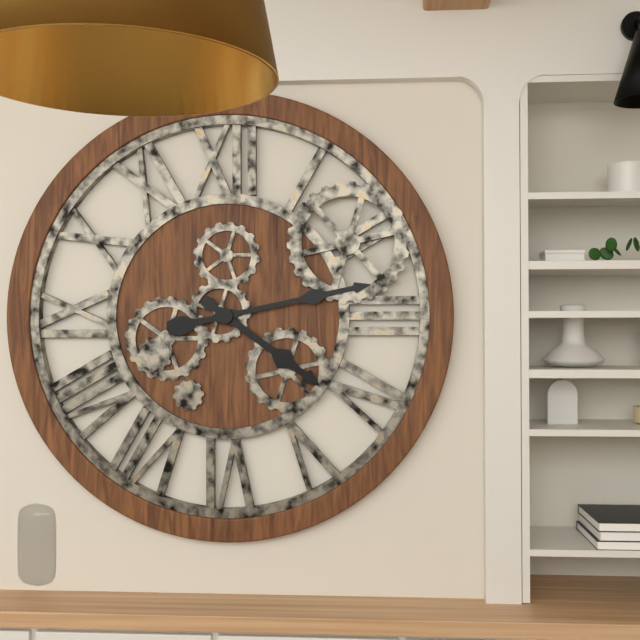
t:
4:13
